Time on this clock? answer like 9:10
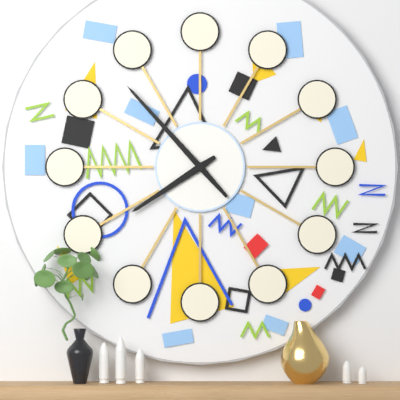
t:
7:53
